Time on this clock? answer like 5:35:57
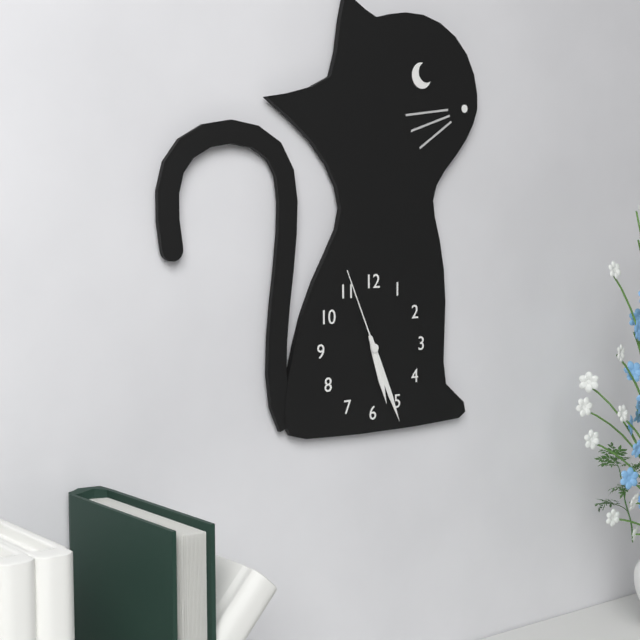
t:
5:26:56
